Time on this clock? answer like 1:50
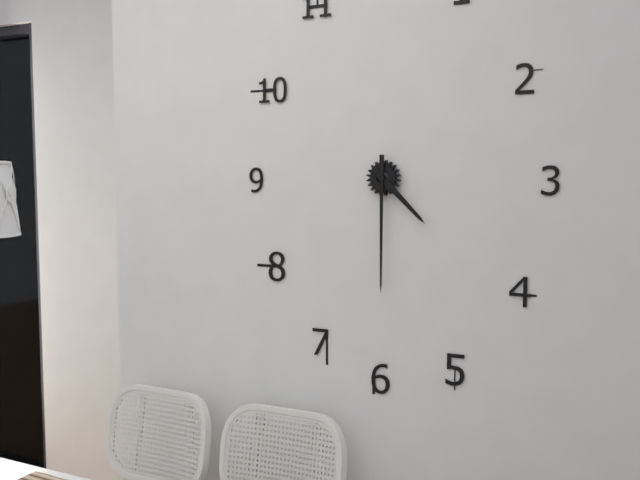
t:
4:30
